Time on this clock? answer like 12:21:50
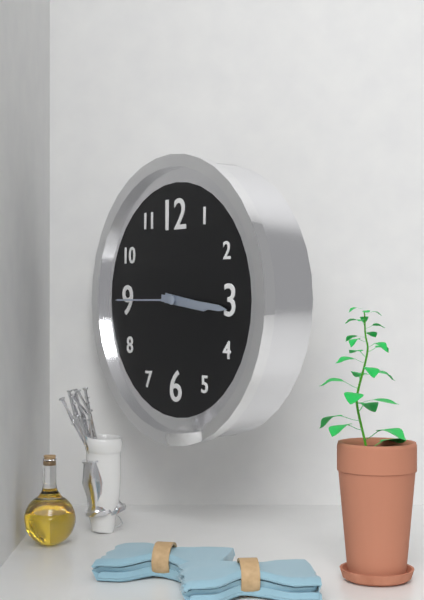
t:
3:16:45
